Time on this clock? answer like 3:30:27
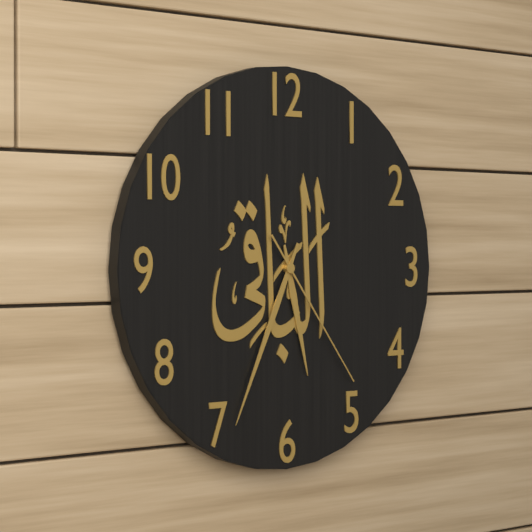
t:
5:34:24
